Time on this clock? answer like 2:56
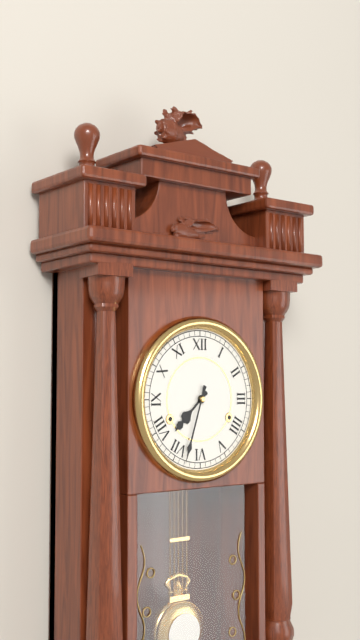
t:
7:33
